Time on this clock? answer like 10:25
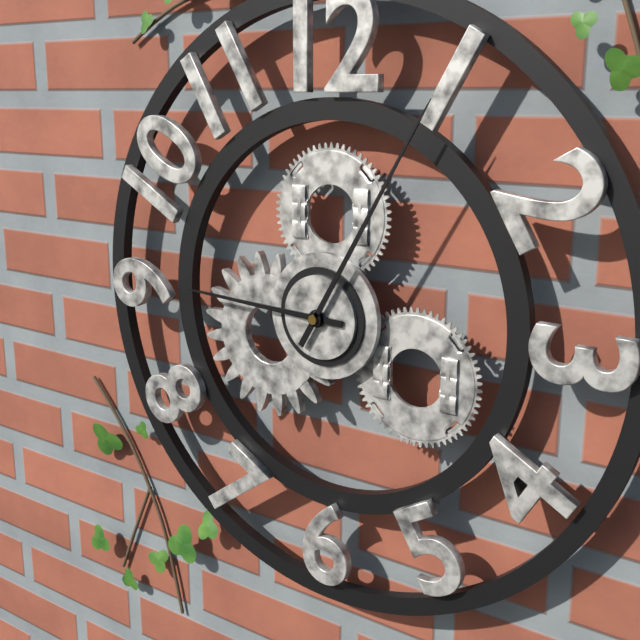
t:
9:05
